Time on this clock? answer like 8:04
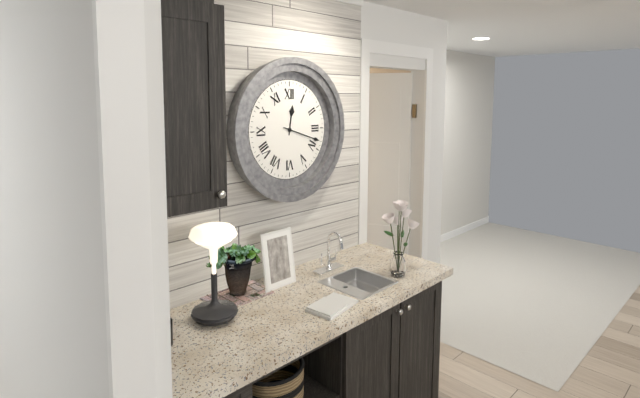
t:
12:18
